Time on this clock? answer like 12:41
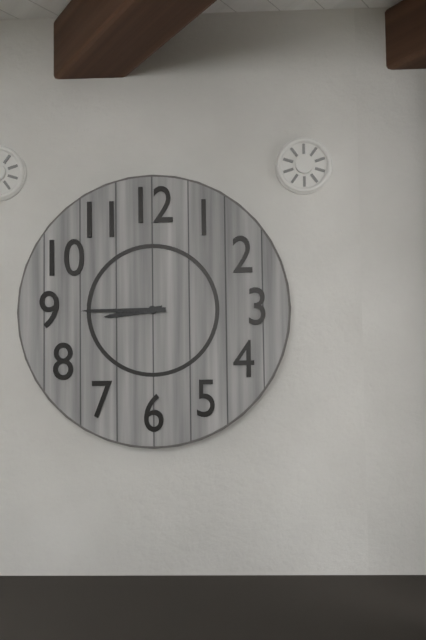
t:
8:45
